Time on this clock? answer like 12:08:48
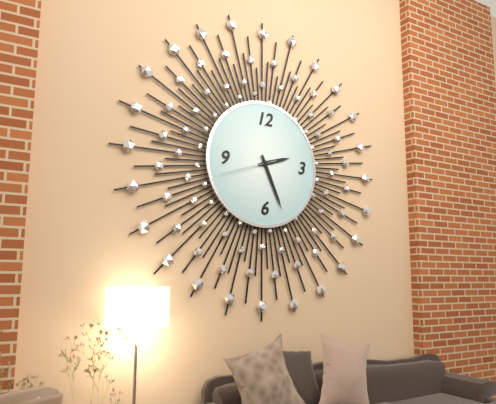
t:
2:26:42
